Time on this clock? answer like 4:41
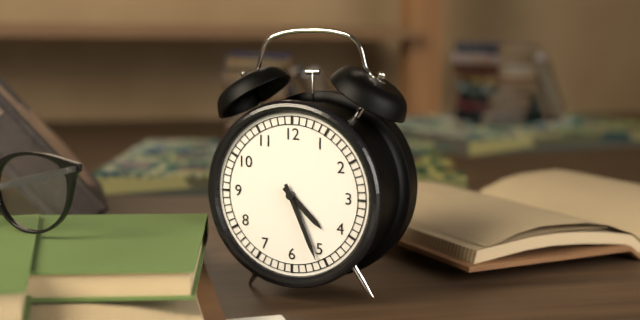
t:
4:26
